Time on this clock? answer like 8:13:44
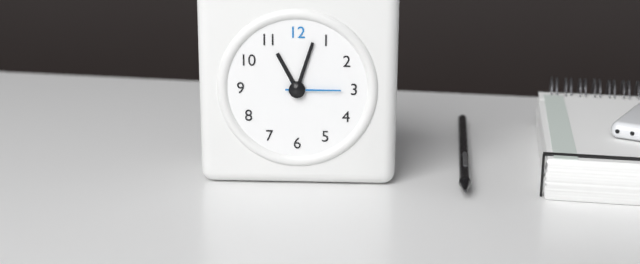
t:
11:03:15
